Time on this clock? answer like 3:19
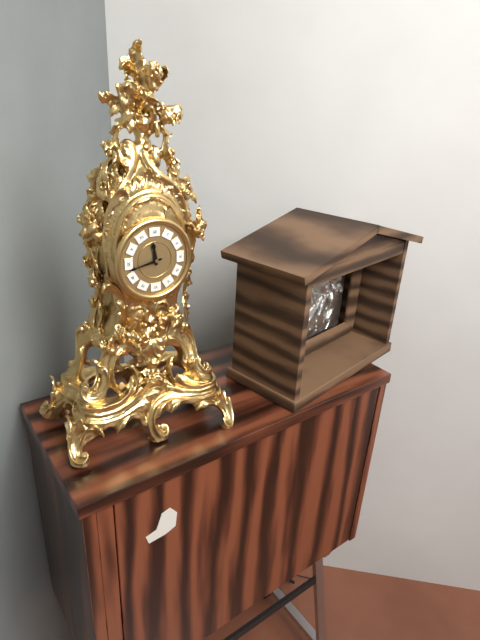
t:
11:43
